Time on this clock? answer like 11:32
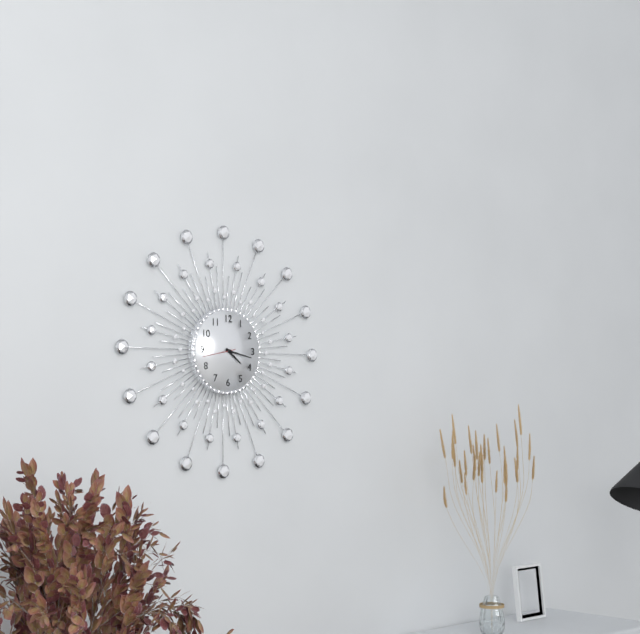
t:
4:17
